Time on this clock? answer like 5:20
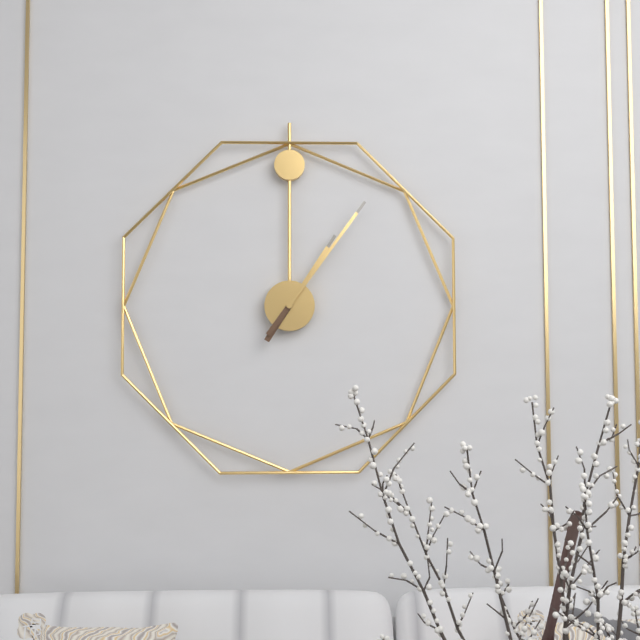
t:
1:06
